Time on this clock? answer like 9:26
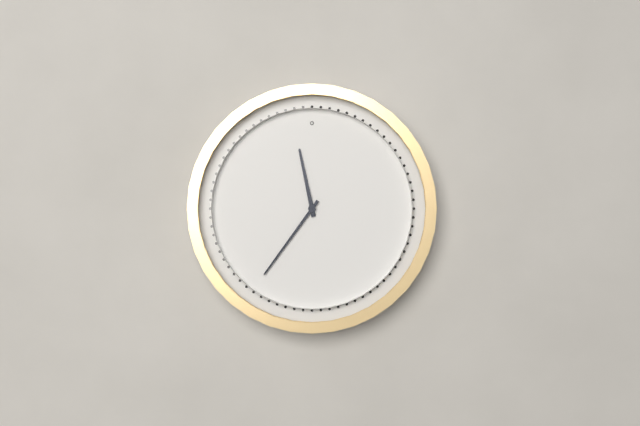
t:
11:36
